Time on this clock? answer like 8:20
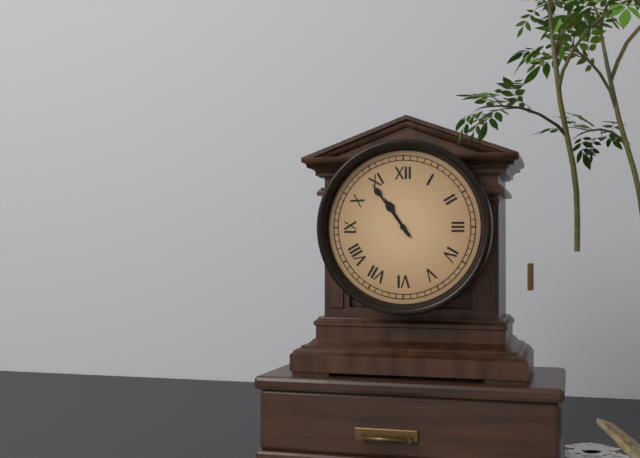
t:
10:54
